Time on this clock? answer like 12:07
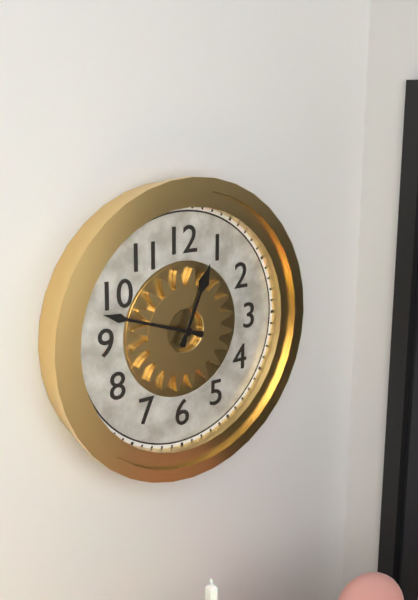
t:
12:48
